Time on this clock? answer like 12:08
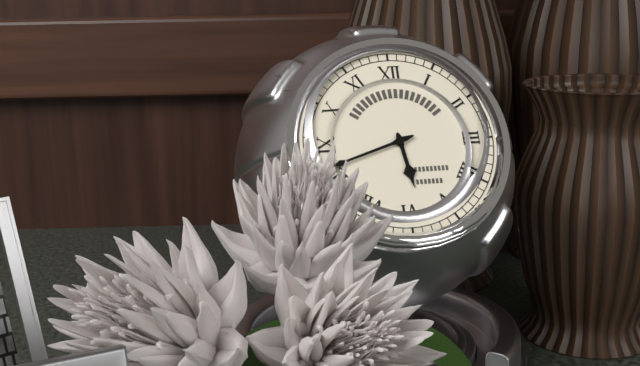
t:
5:42
